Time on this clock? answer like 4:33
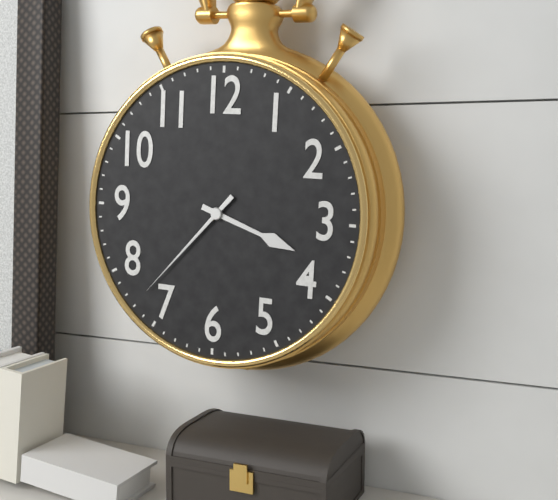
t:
3:37
